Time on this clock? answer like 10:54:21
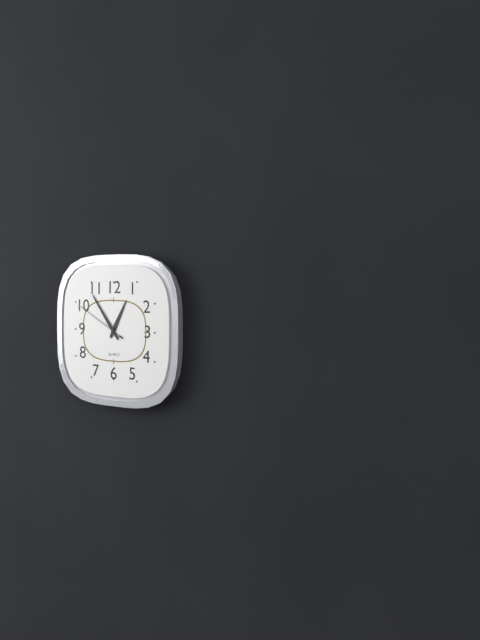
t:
12:54:50
